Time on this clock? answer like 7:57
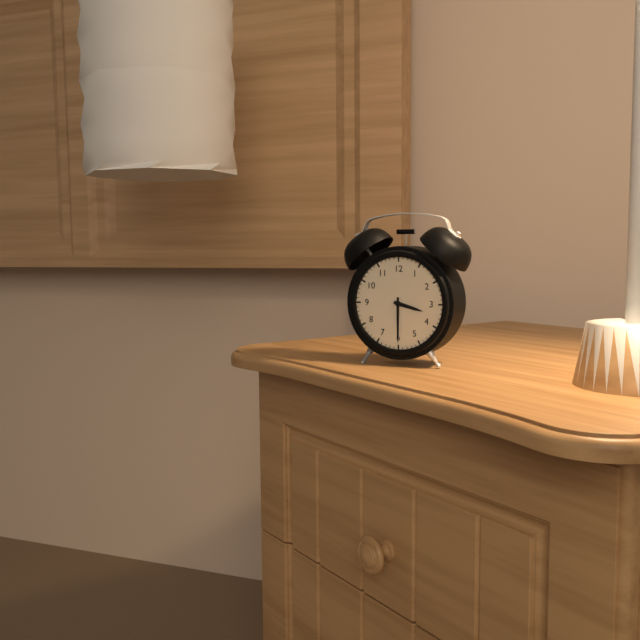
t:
3:30
